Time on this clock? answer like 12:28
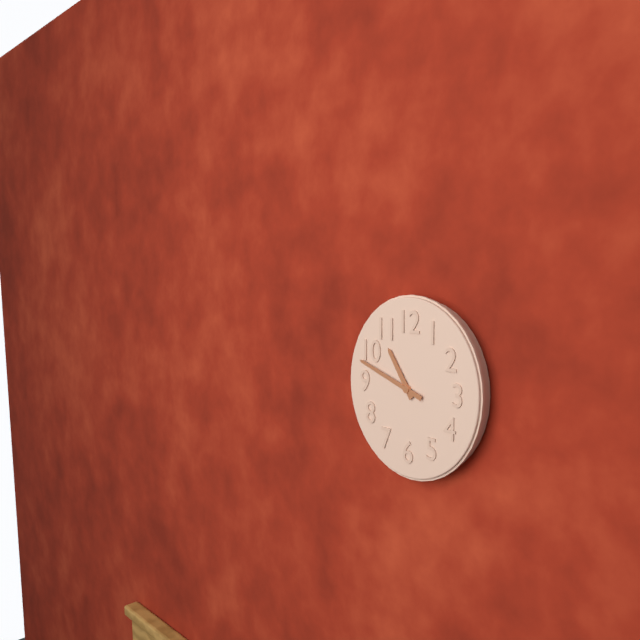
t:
10:48
